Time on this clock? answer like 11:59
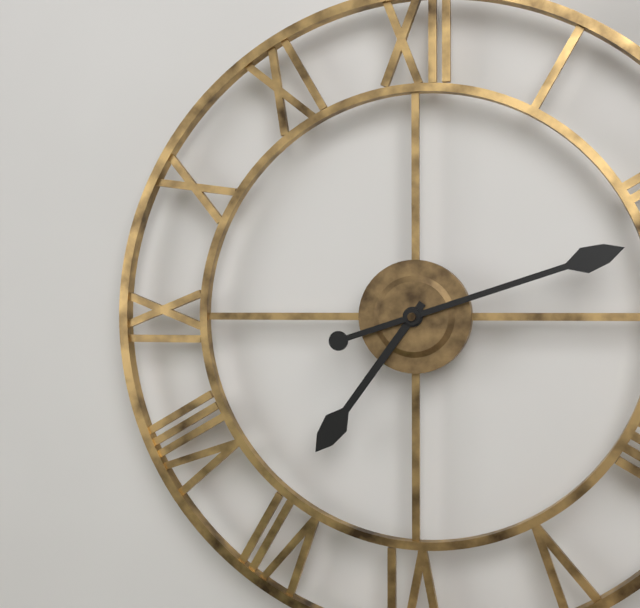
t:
7:12
